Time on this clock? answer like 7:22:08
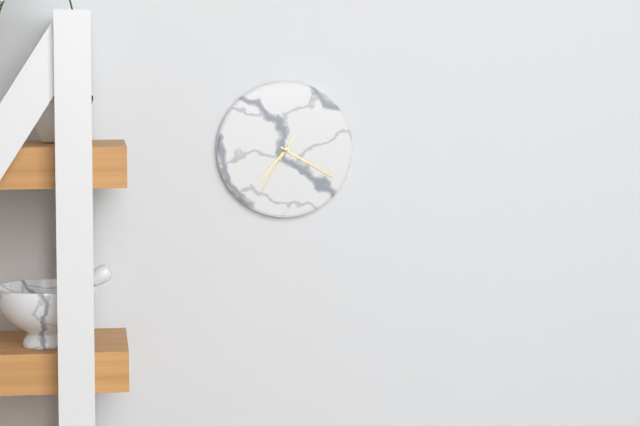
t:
7:20:35
